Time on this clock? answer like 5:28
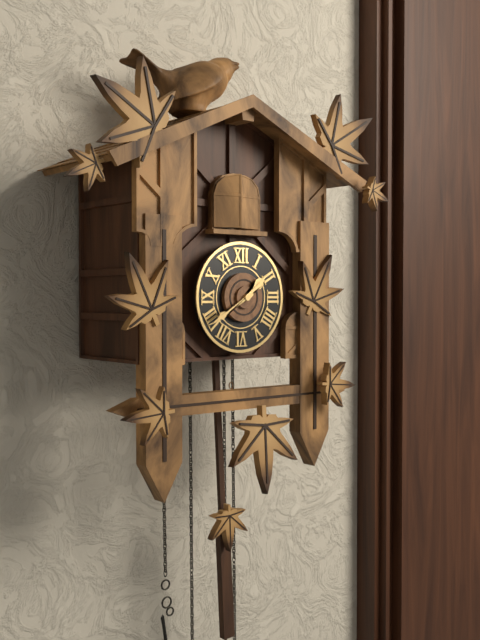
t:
1:40
